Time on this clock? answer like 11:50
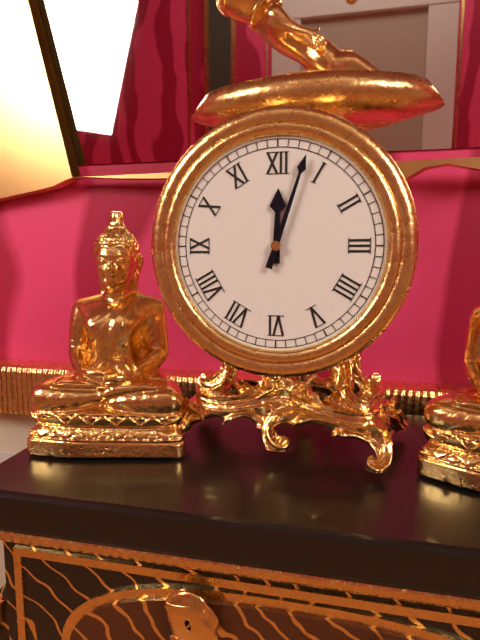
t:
12:03
